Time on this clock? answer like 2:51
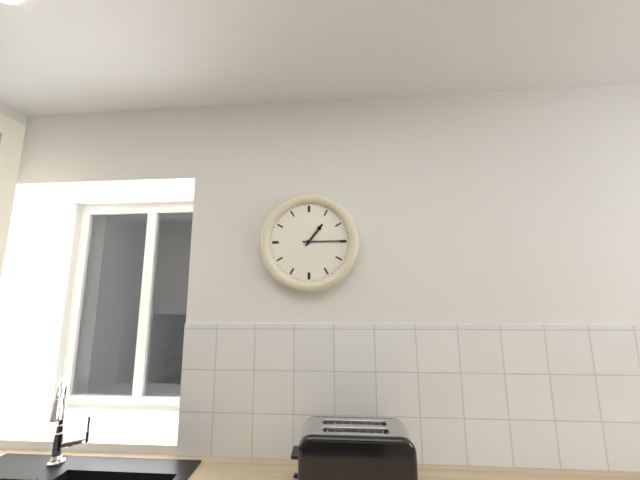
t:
1:15
